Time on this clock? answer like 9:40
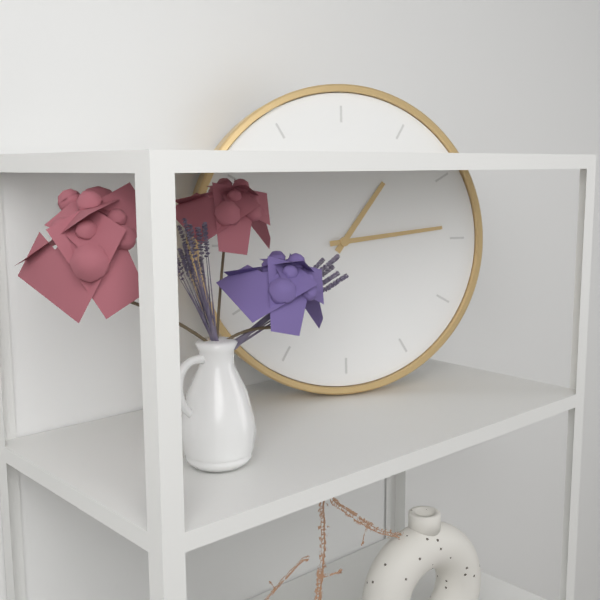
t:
1:14
